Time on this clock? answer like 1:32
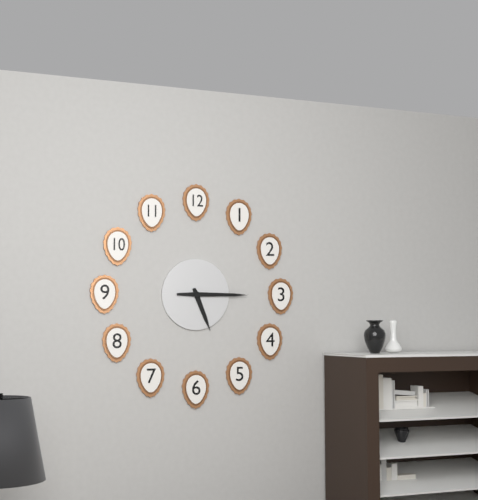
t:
5:15
